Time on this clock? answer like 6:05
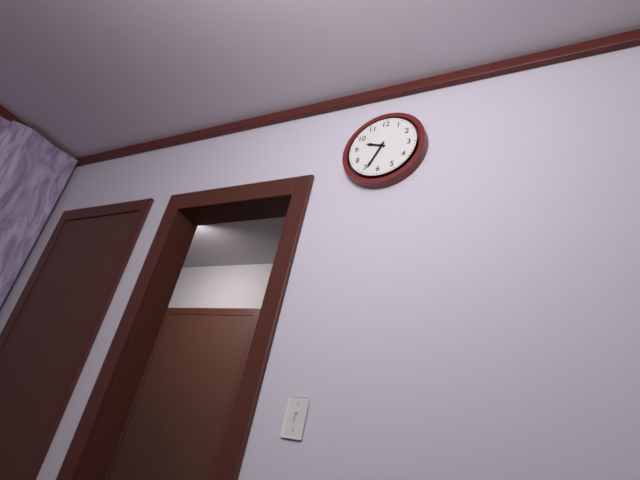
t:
9:34
